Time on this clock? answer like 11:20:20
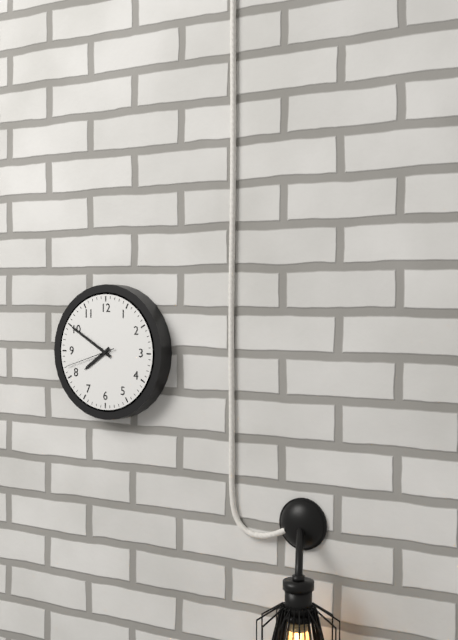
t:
7:50:42
